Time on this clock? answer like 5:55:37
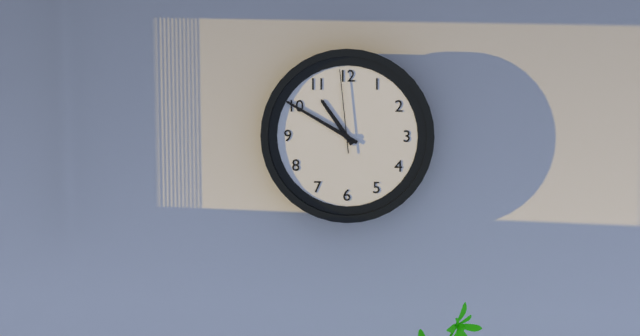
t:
10:50:59
